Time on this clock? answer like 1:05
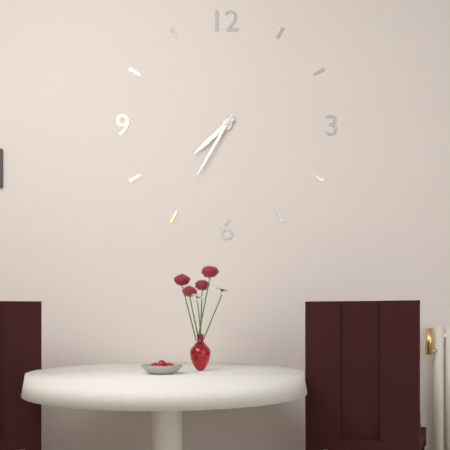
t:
7:35
